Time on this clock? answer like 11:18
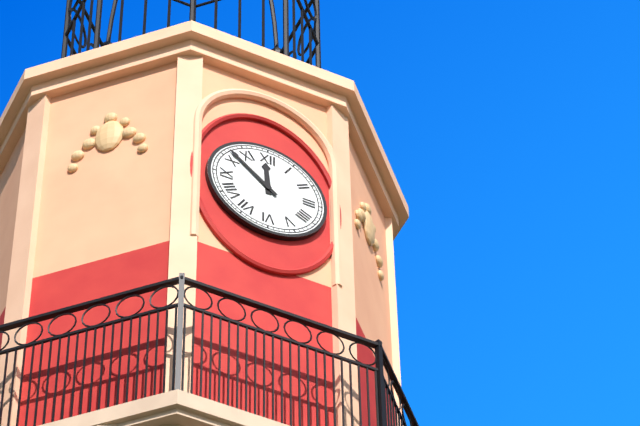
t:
11:52
